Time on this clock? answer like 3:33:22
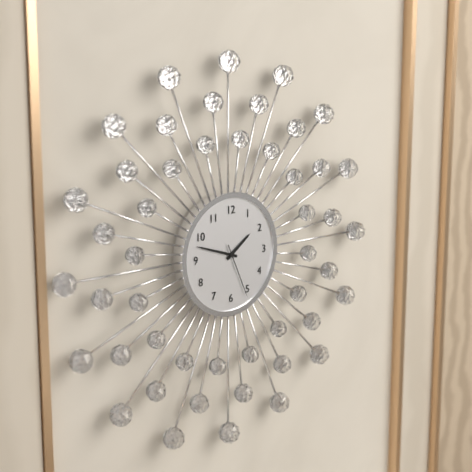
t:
1:48:26
